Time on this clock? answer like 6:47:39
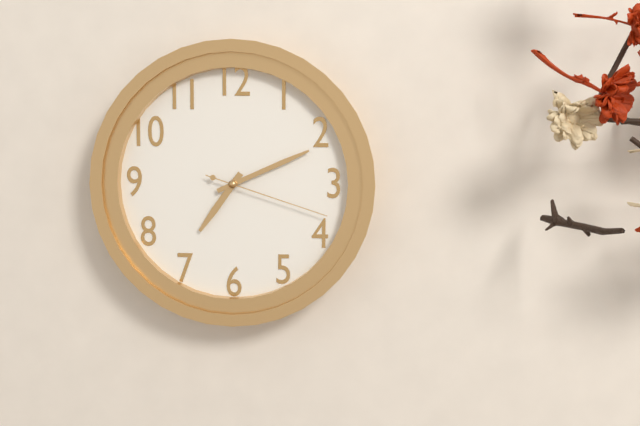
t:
7:11:18
